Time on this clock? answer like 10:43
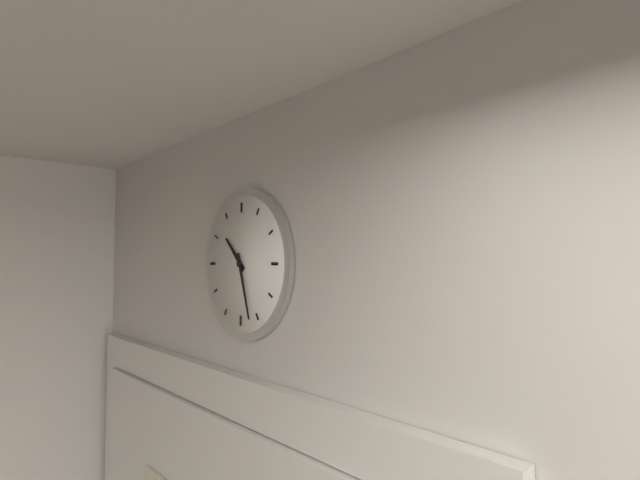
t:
10:27
